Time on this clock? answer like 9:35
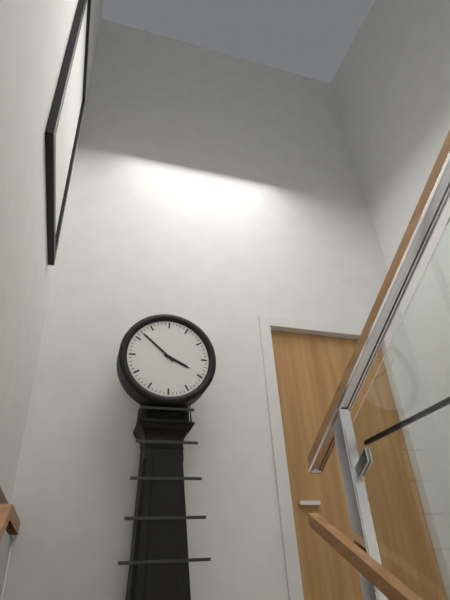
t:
3:52
